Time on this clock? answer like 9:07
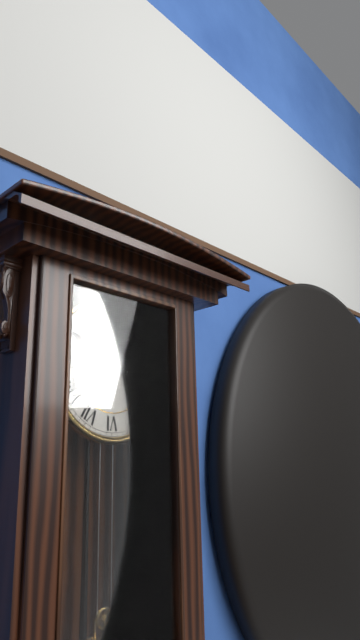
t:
1:50
